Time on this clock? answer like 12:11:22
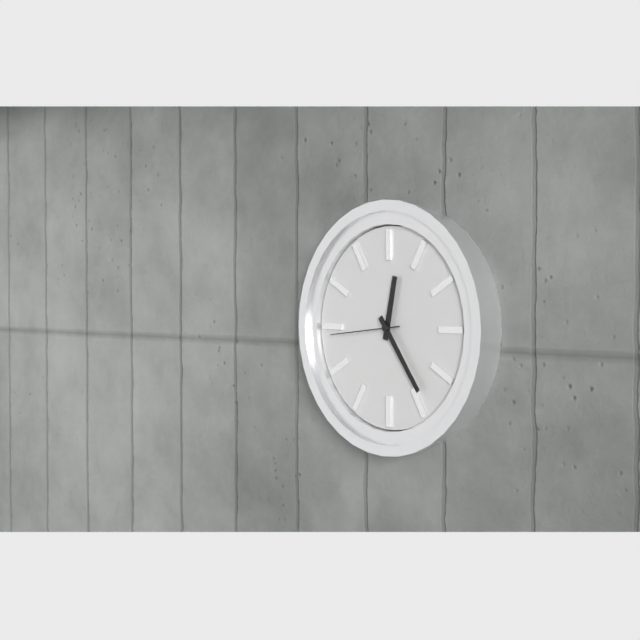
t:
12:24:44
